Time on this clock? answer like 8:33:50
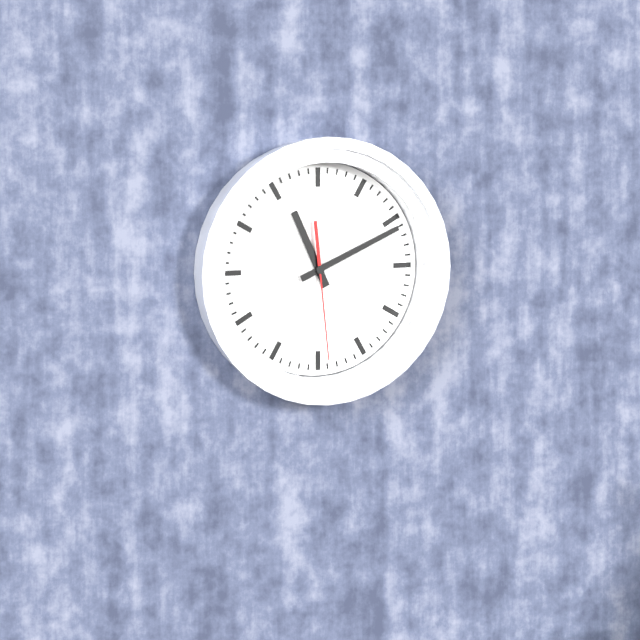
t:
11:11:29
